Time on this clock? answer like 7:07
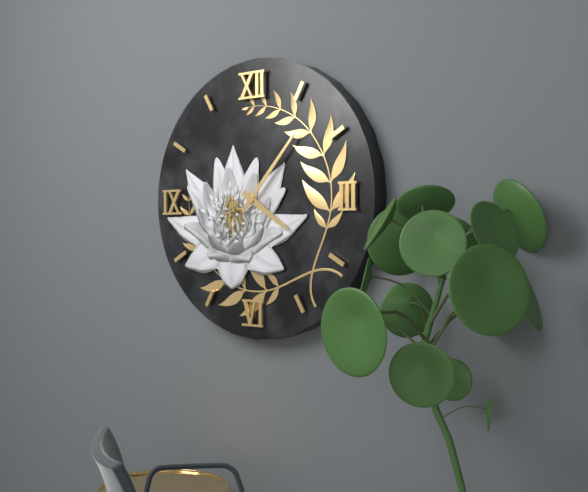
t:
4:07
